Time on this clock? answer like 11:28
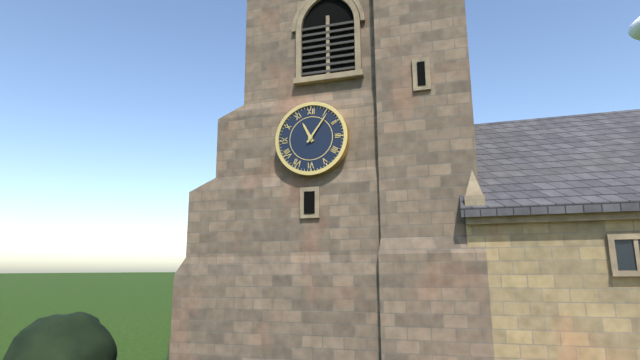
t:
11:06
